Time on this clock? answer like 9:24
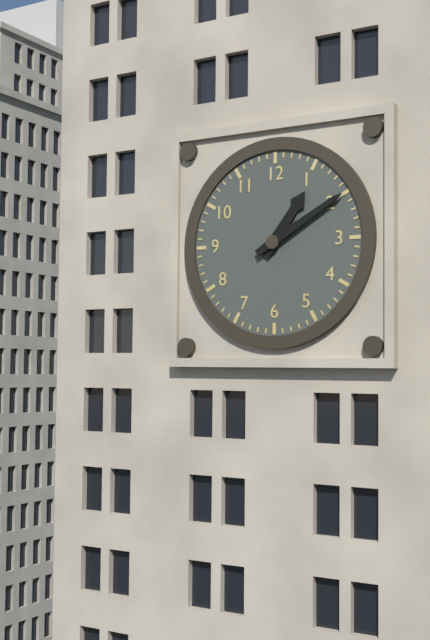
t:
1:10
